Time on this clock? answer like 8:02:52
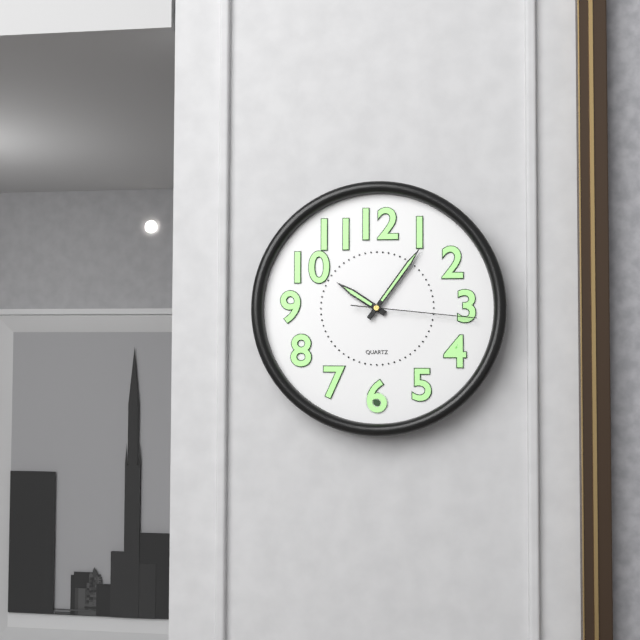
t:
10:06:16
